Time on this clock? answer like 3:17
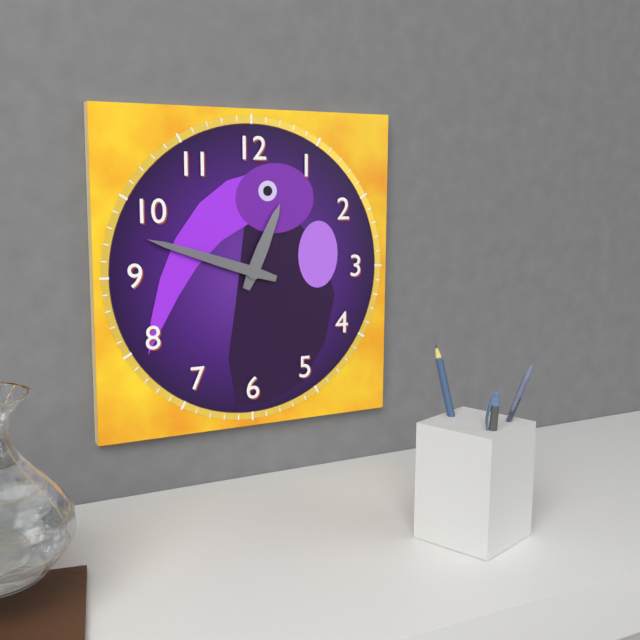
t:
12:48
